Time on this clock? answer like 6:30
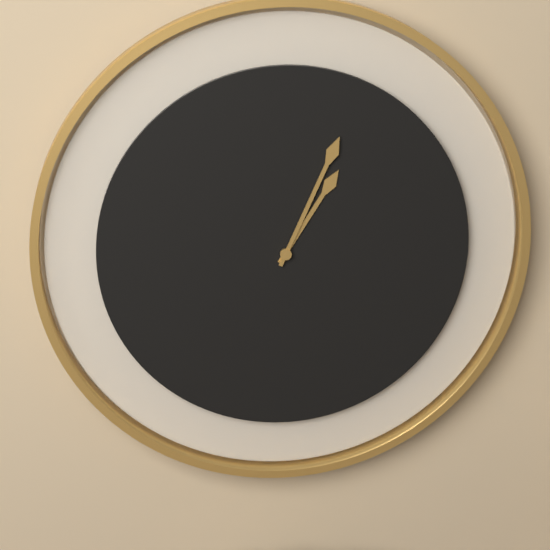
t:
1:04
